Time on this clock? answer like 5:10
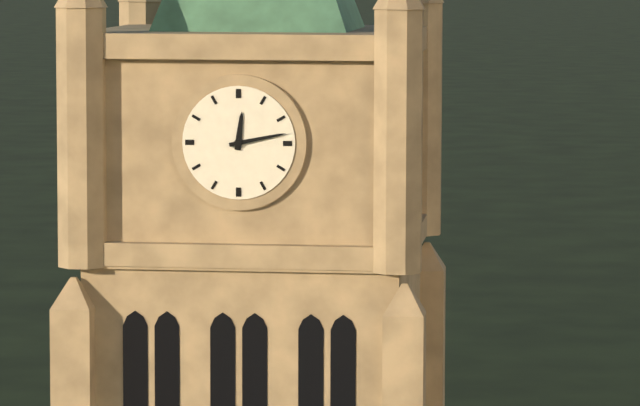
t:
12:13
